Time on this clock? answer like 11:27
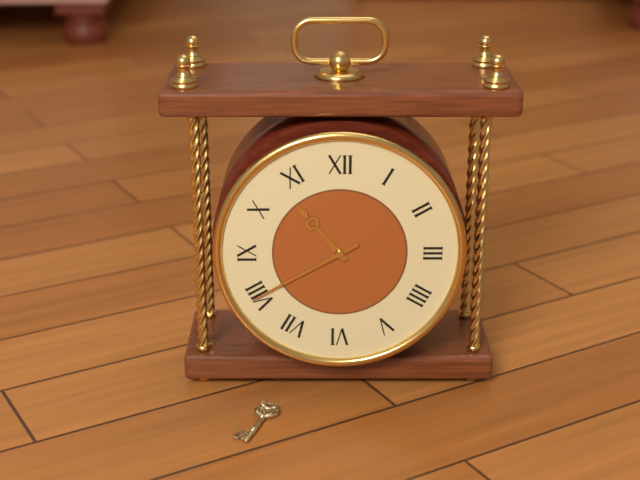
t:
10:40
